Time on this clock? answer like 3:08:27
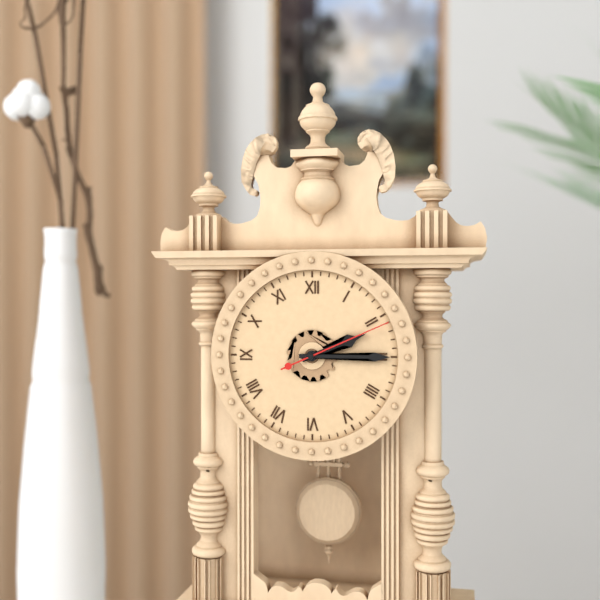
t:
2:15:11
